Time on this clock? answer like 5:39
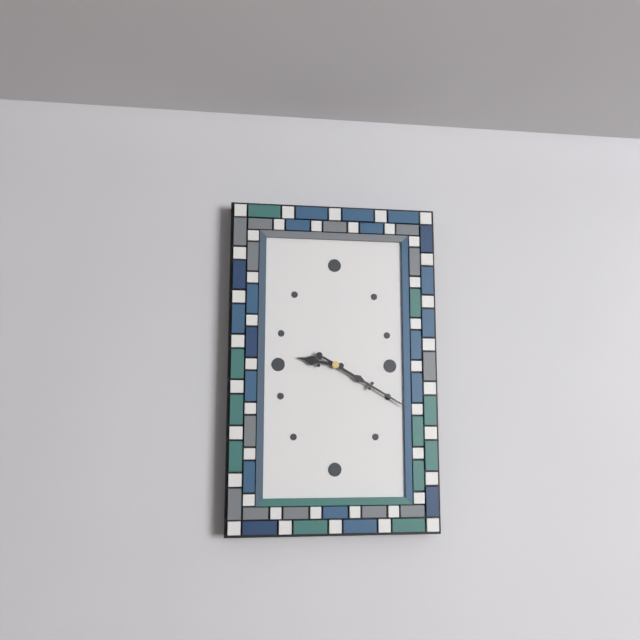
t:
9:20
